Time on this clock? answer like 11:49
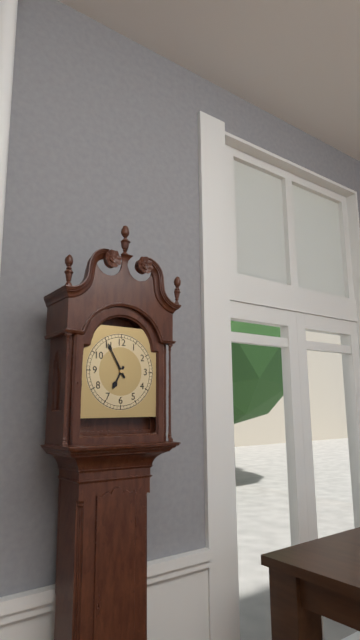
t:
6:55
